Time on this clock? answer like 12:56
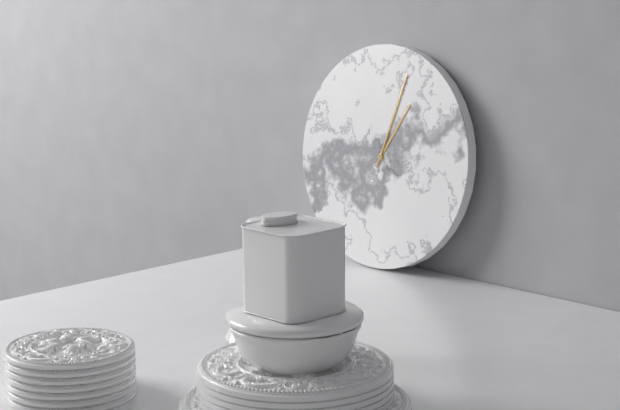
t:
1:03
